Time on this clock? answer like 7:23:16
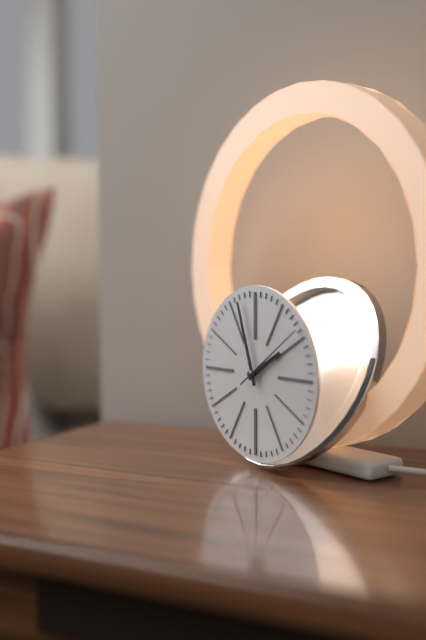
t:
1:57:09
